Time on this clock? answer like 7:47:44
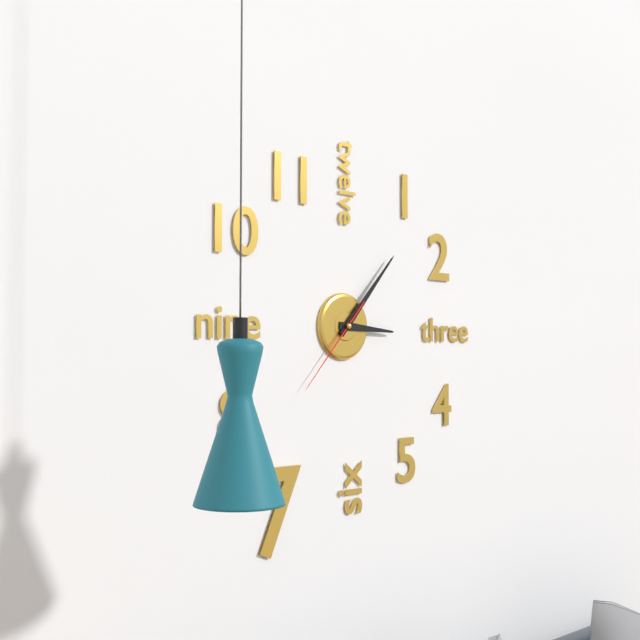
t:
3:07:37
